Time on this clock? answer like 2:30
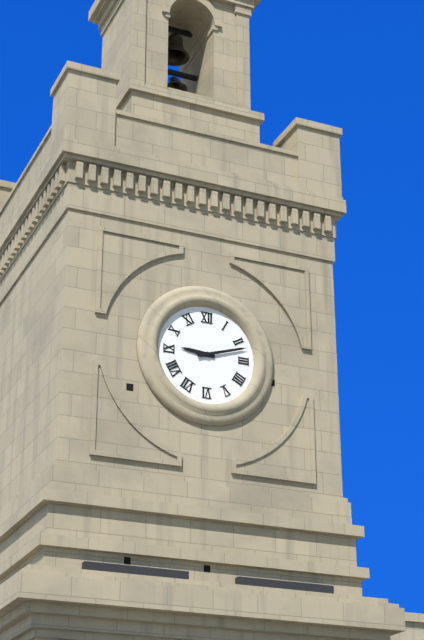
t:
9:12
